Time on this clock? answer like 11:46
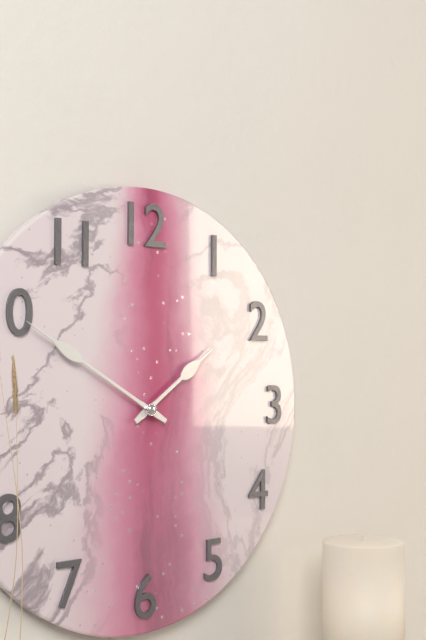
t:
1:50
